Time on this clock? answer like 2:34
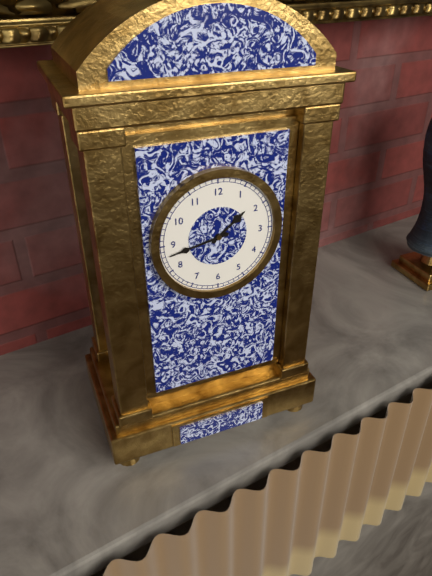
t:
1:43
